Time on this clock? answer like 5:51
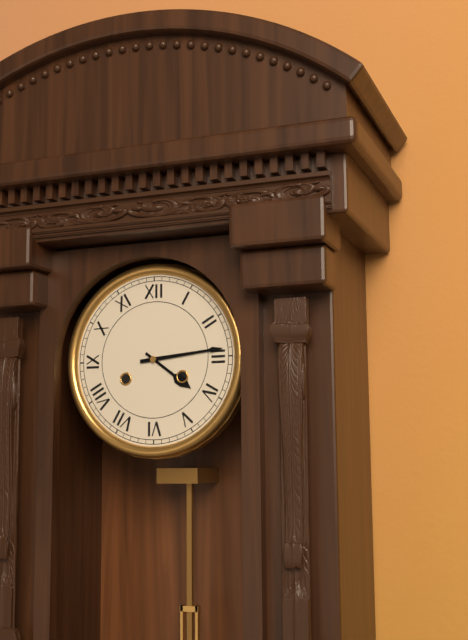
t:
4:14
